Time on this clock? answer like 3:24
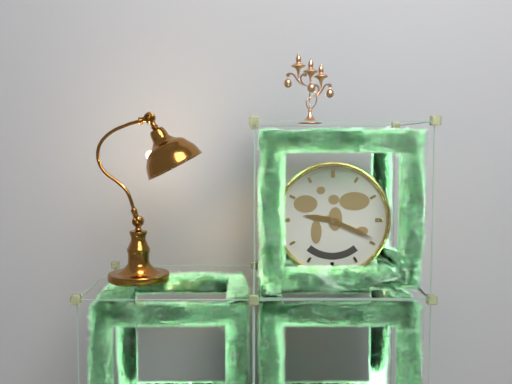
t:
9:19
